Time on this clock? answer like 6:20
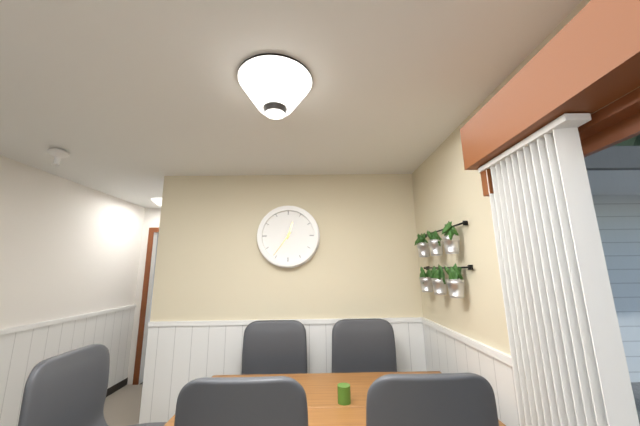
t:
12:36
